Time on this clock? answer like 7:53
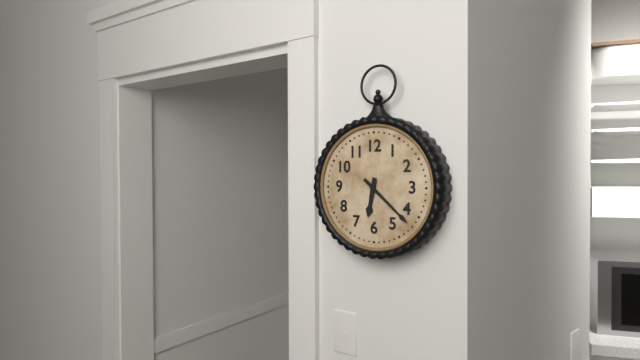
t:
6:22
